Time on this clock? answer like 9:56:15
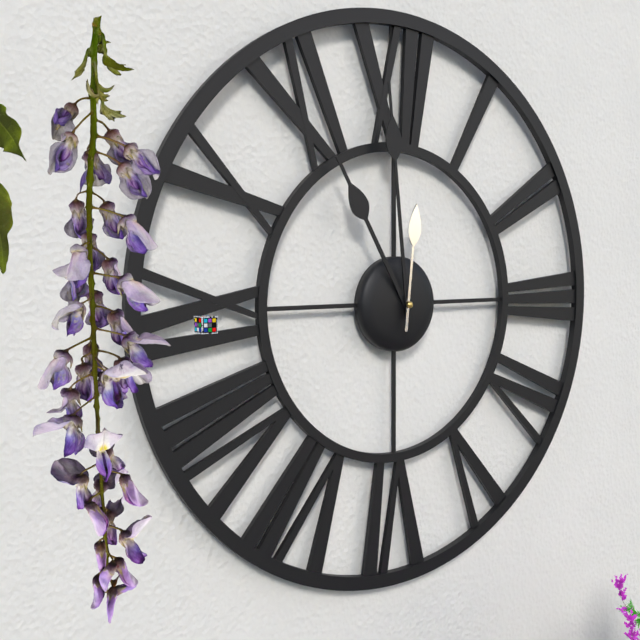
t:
10:59:01
